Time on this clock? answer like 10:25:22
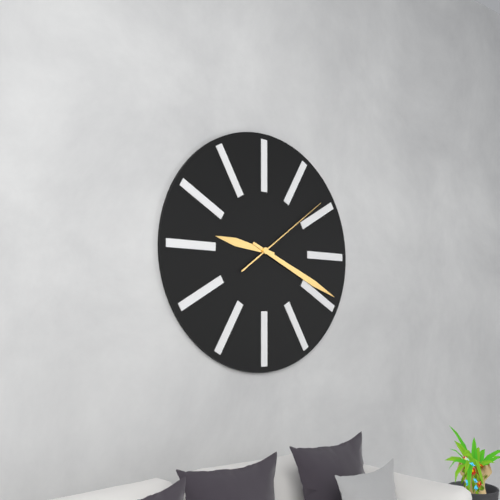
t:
9:19:09
